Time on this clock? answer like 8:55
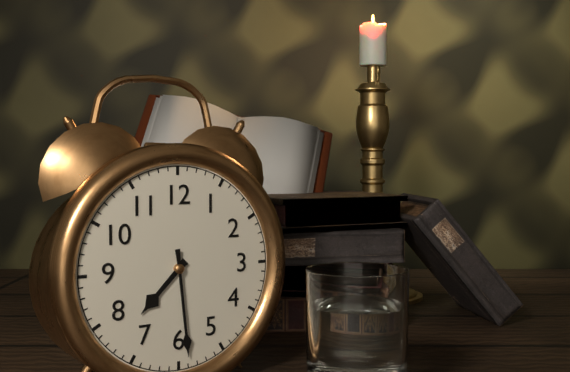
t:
7:29
